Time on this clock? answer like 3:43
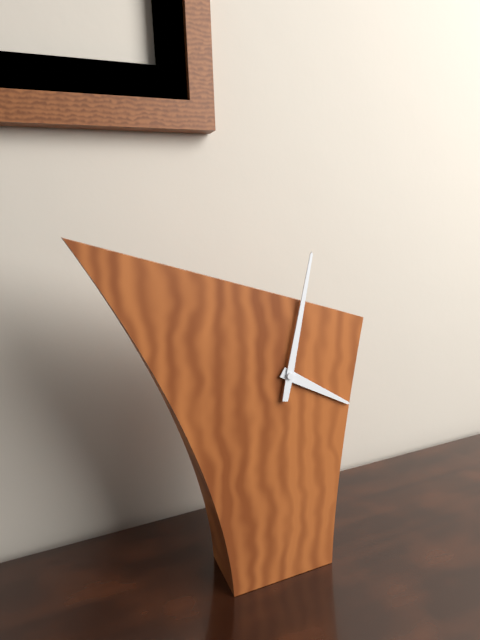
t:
4:02
